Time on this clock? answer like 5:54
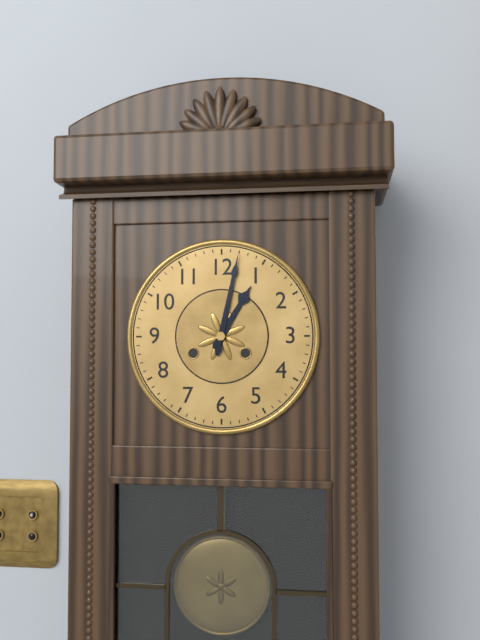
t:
1:02
